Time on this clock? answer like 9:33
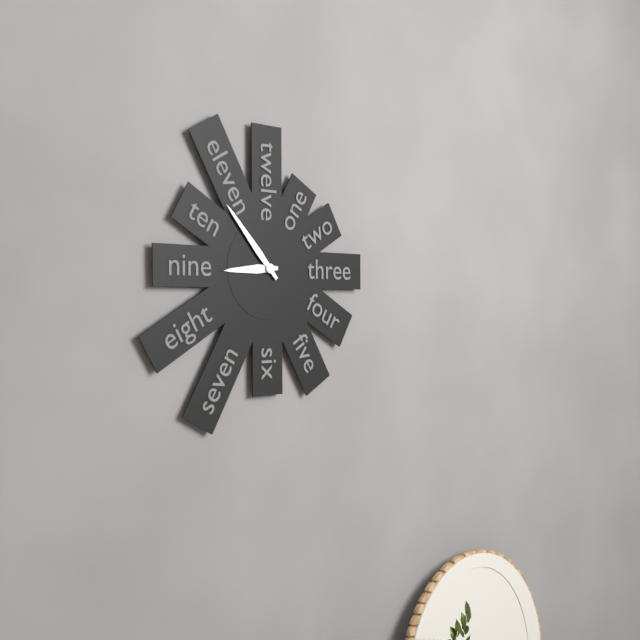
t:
8:53
